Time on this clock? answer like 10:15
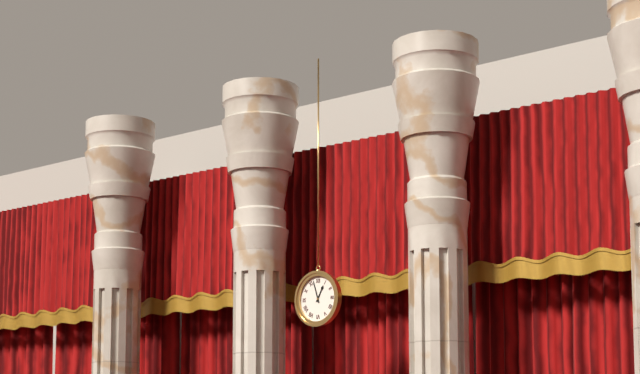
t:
12:57
